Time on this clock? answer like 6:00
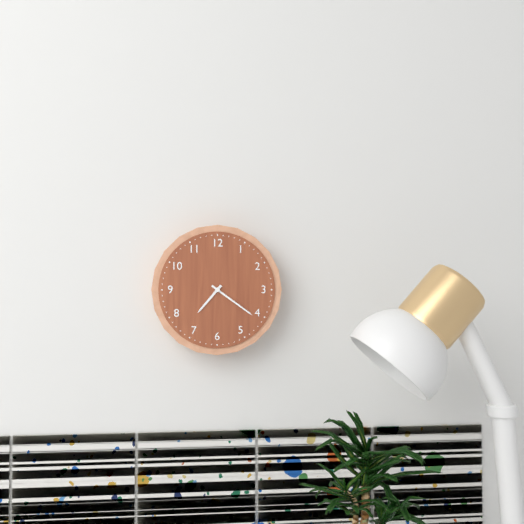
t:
7:21
